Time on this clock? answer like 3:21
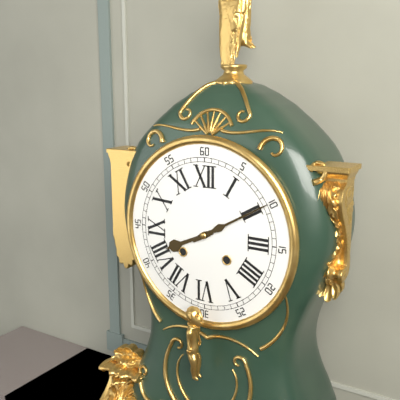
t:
8:10
